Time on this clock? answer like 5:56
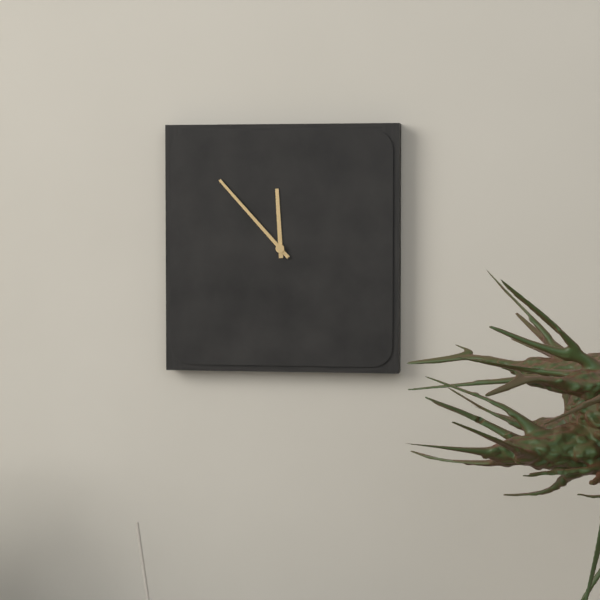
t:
11:53
